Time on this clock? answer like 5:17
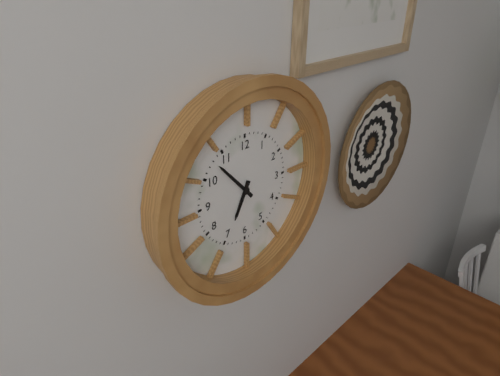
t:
6:53
